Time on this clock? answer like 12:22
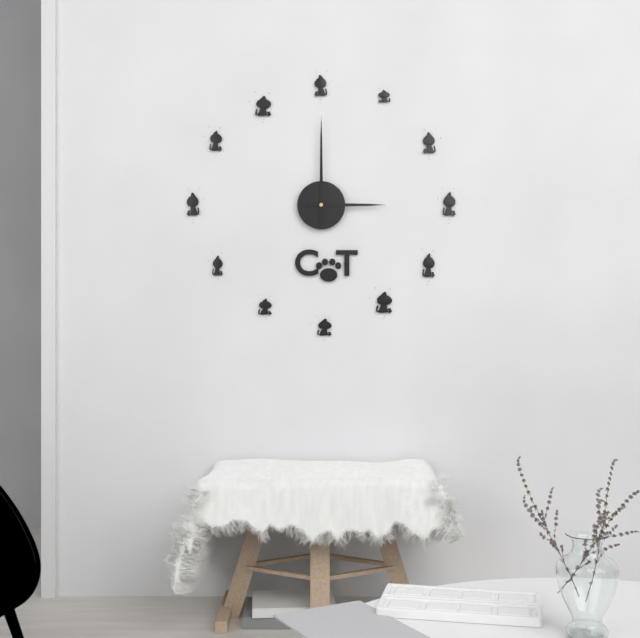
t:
3:00
